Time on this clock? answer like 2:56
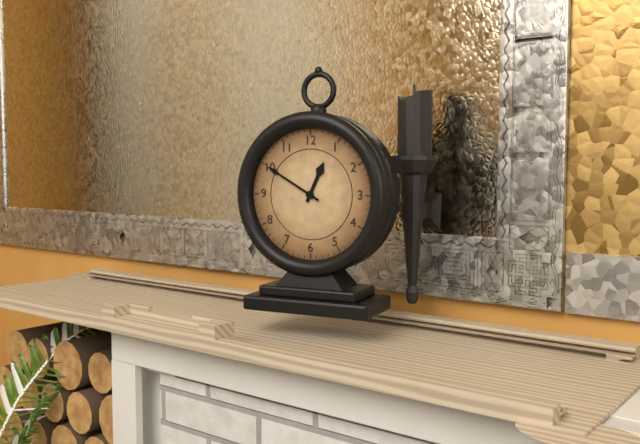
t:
12:50
